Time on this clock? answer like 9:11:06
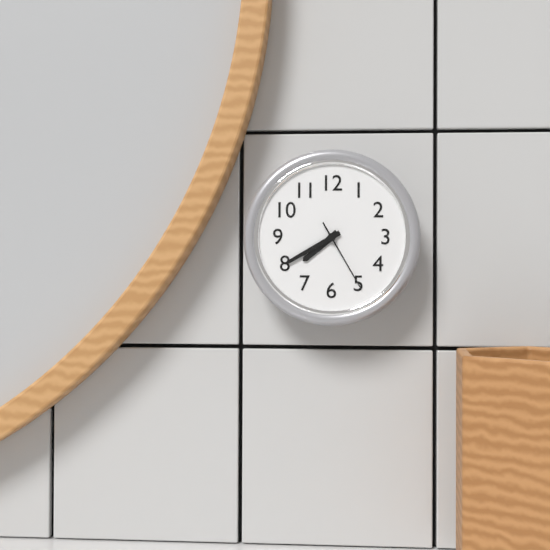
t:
7:40:25
